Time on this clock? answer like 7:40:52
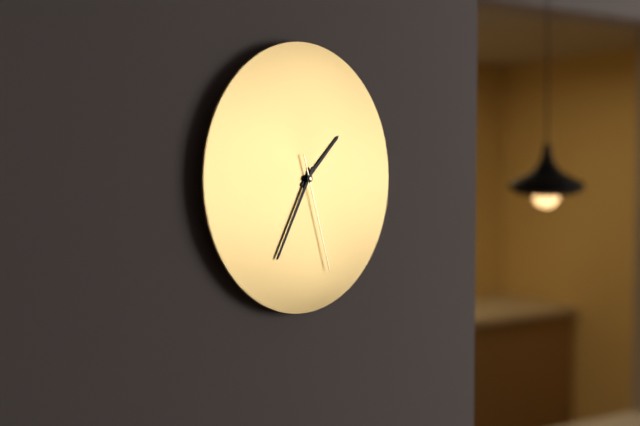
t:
1:35:27
